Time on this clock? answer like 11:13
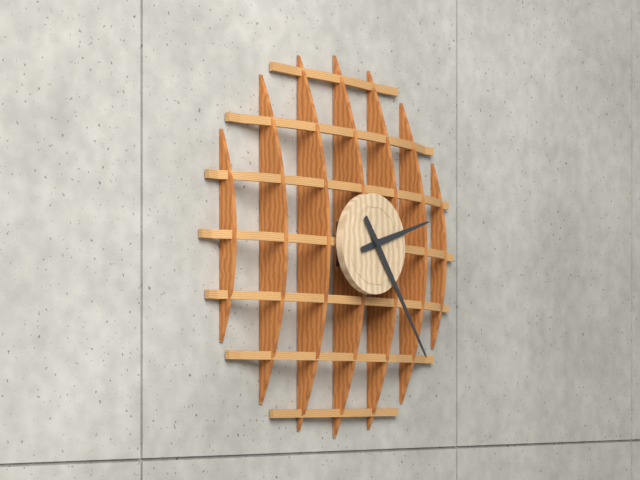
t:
2:24
